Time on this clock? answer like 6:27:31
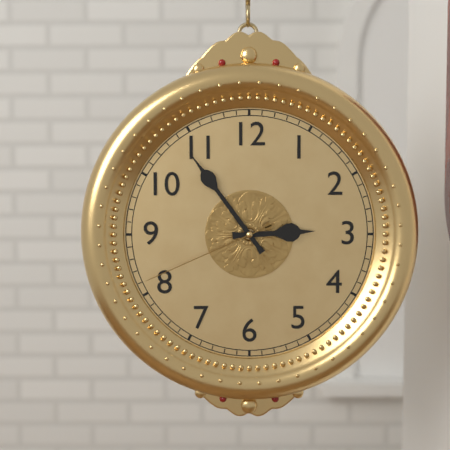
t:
2:54:41
